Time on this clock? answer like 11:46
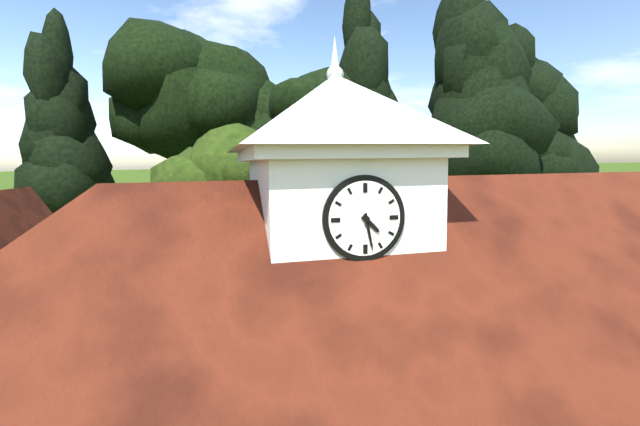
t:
4:28
